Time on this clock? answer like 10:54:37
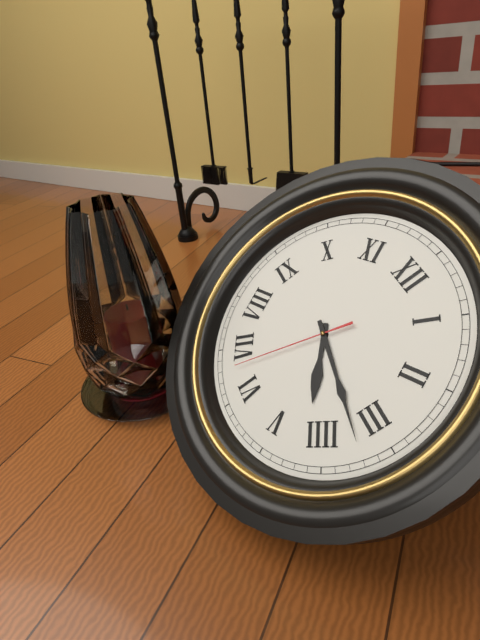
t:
4:17:33
